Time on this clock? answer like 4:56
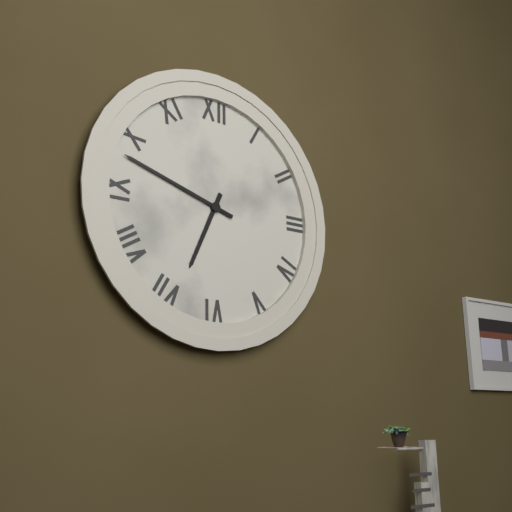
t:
6:48
